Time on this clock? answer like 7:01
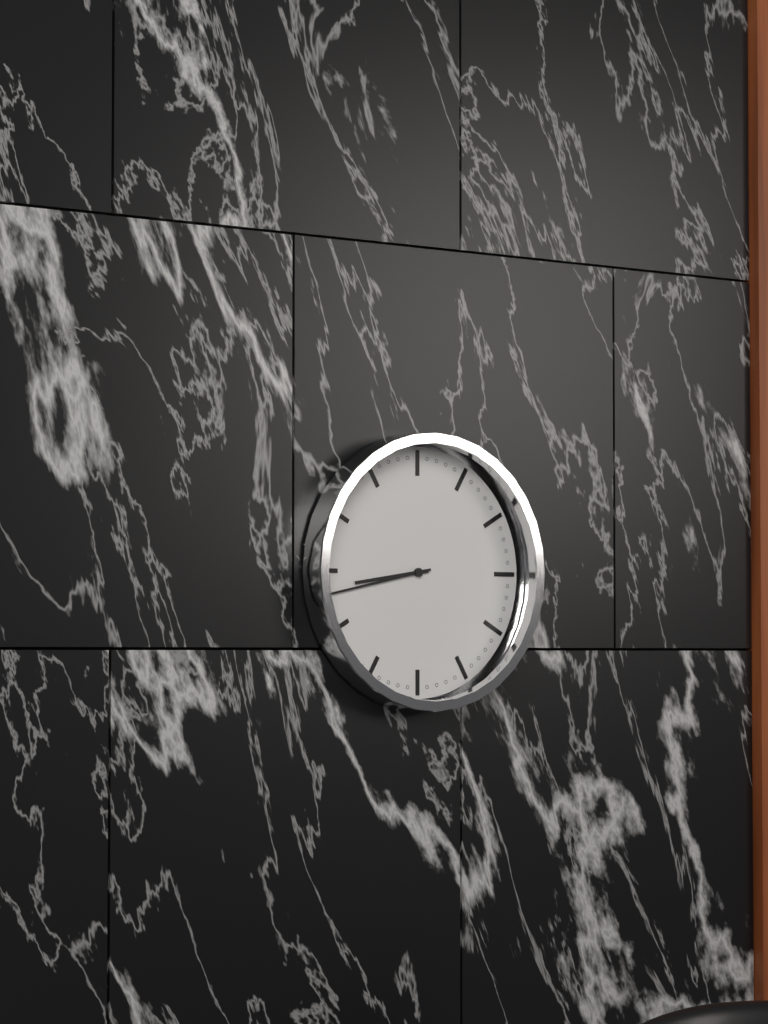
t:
8:43
